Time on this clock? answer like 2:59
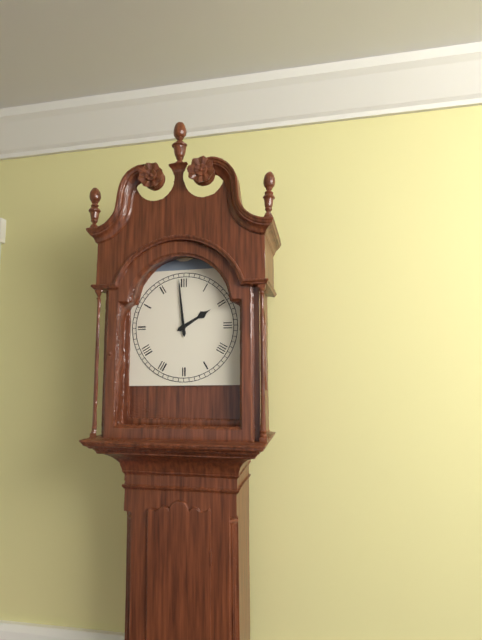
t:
1:59
